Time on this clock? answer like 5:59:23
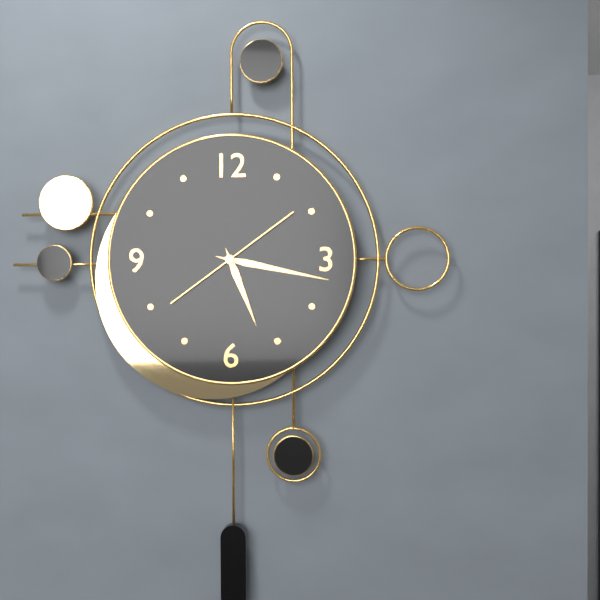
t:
5:17:09
